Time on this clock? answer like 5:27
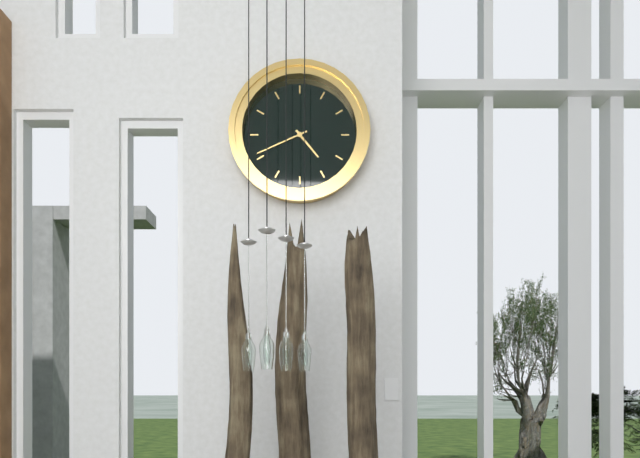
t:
4:41
